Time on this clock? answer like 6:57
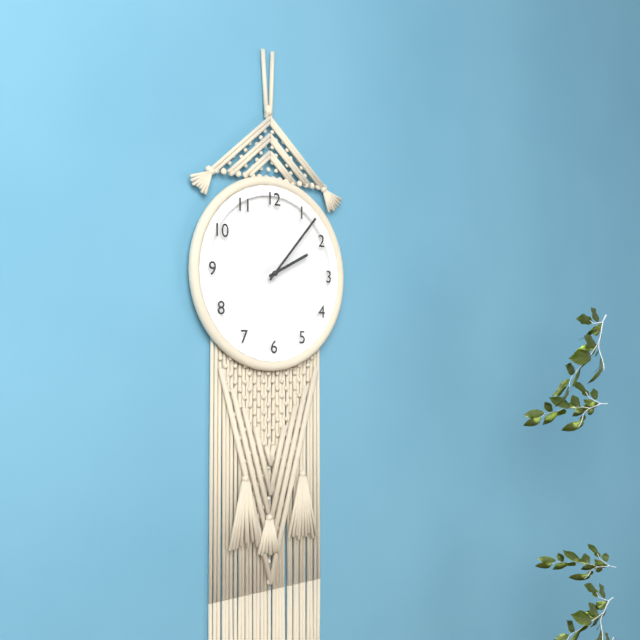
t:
2:07
